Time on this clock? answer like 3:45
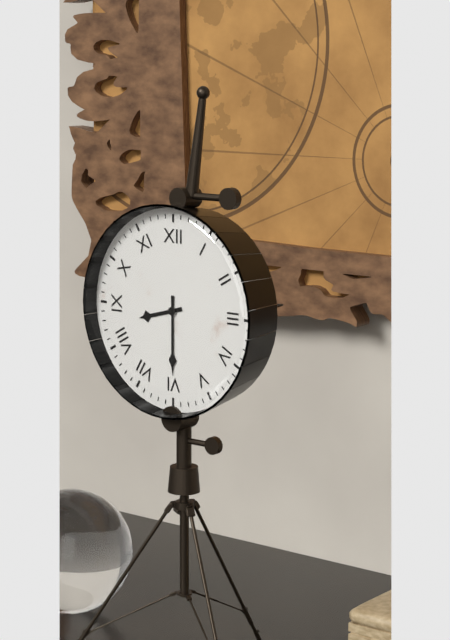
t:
8:30
